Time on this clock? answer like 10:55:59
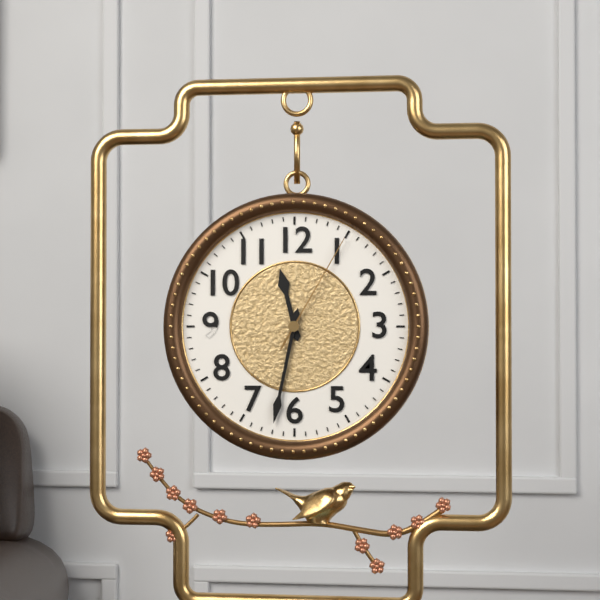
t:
11:32:05
